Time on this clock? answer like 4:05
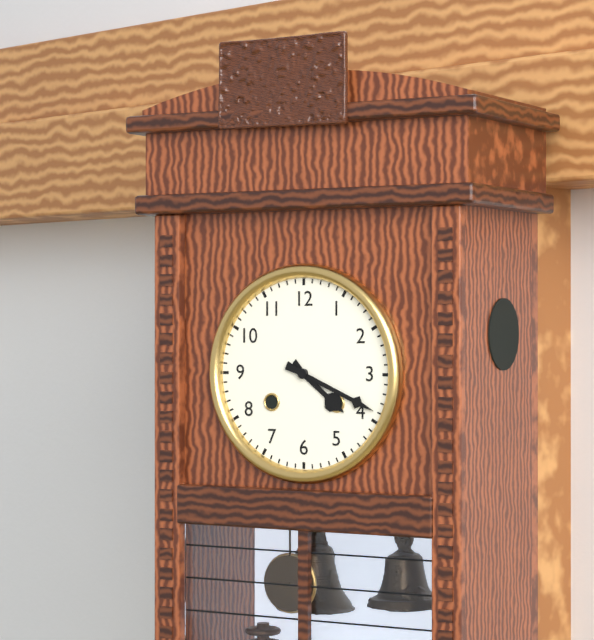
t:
4:19
